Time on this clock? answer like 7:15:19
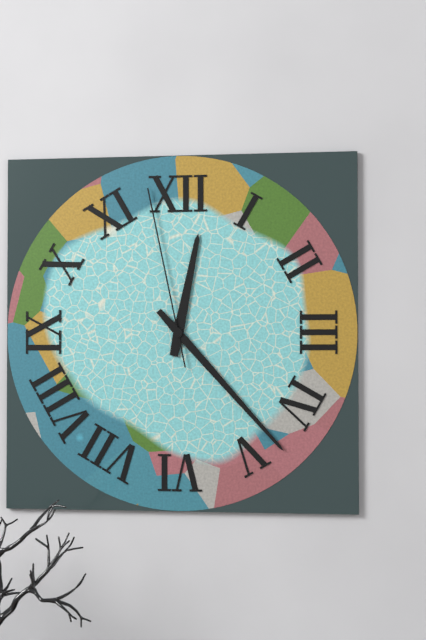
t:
12:23:58
